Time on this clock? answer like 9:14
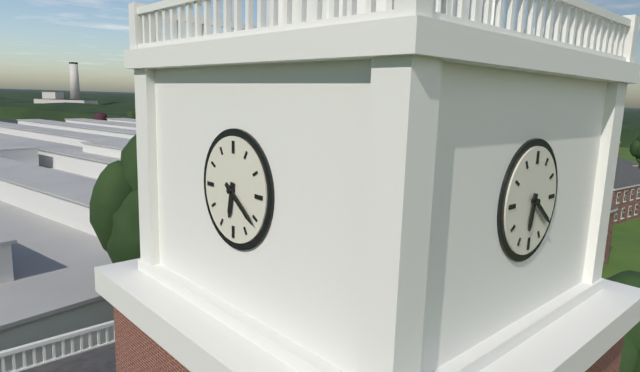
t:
6:21
